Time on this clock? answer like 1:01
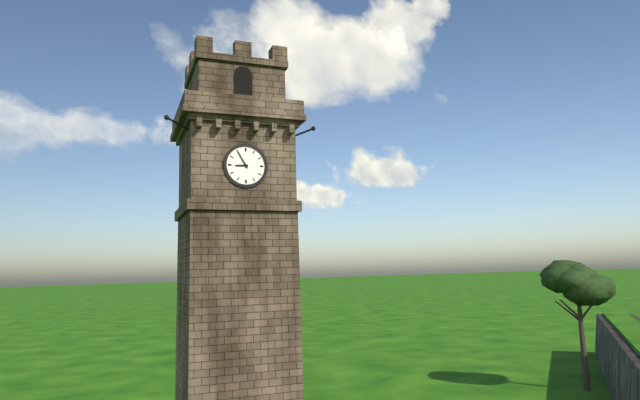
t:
8:55
